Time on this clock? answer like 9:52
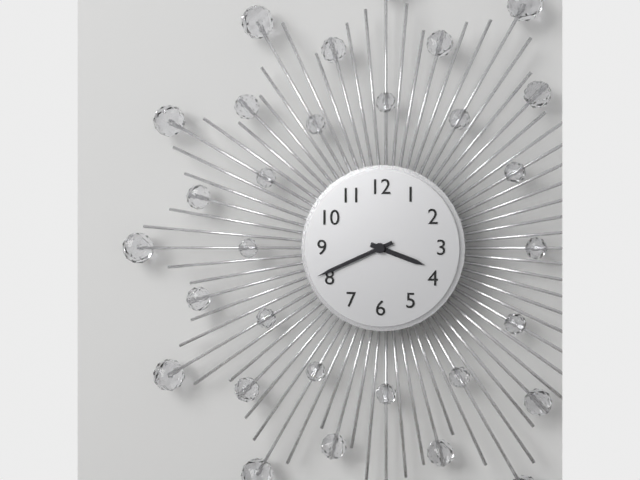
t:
3:41
